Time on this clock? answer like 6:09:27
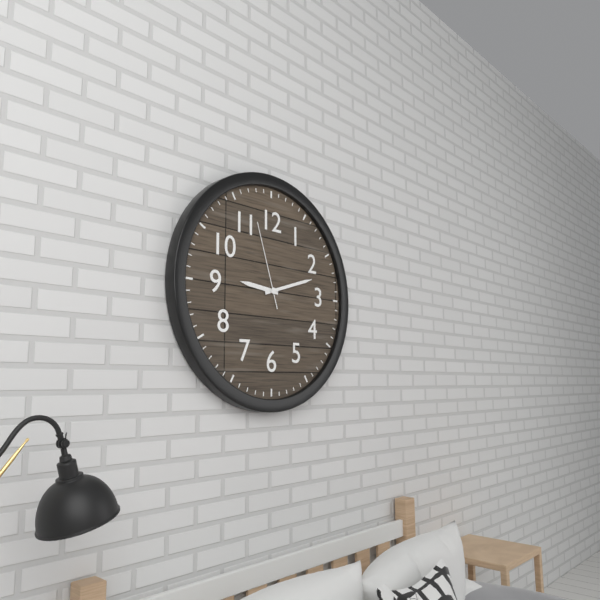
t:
9:12:57
